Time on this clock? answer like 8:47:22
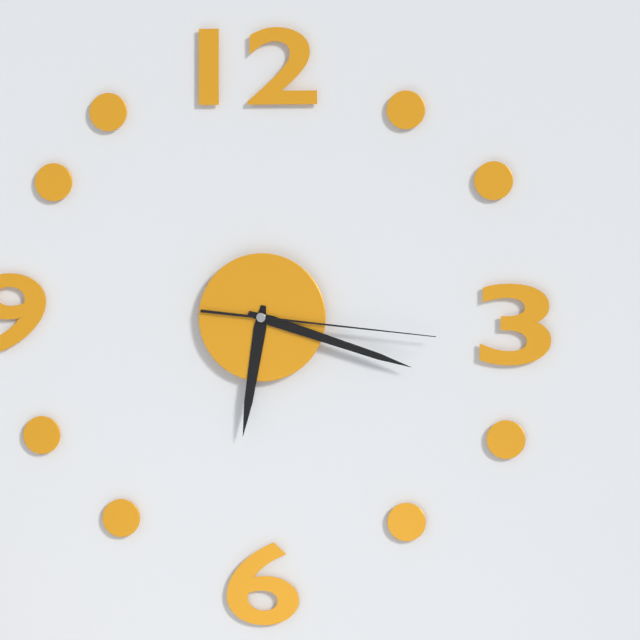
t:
6:18:16
